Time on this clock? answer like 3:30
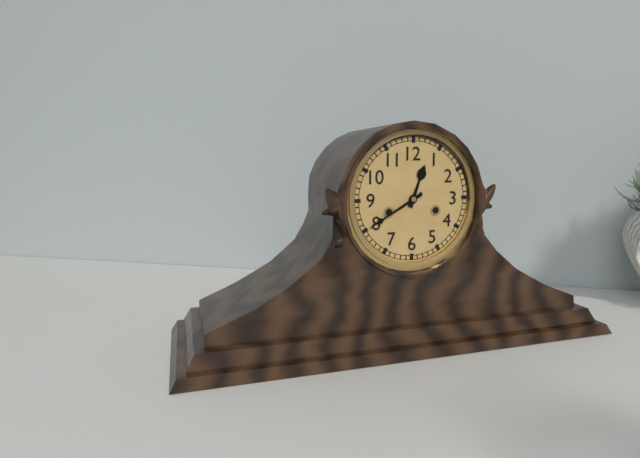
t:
12:40
